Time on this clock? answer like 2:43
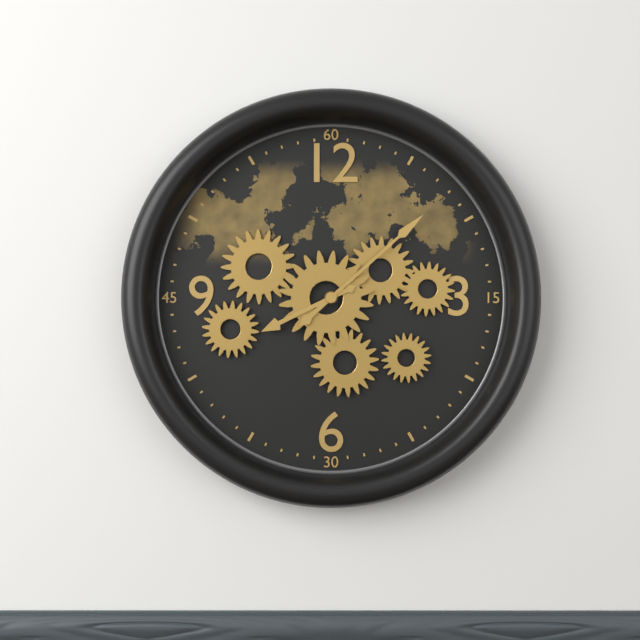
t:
8:08
